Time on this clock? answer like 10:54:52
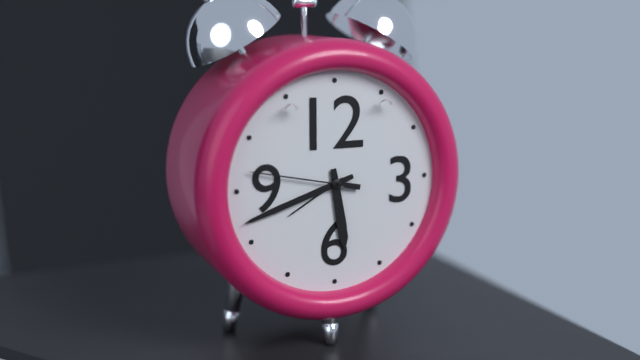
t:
5:42:47
